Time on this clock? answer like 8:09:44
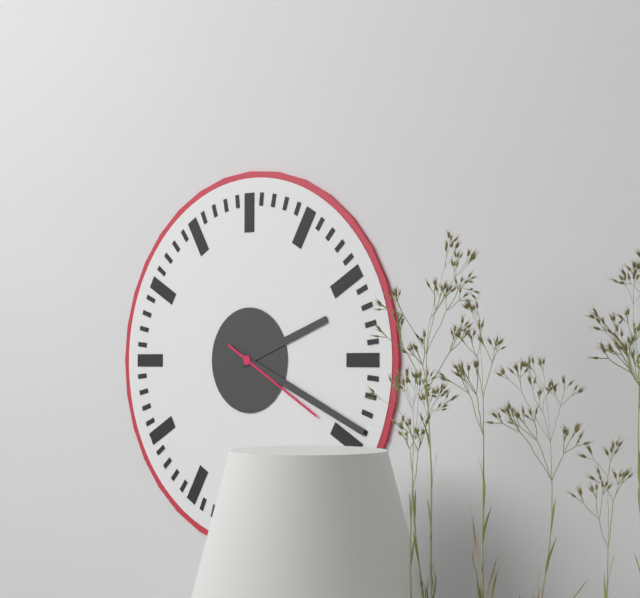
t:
2:19:20
